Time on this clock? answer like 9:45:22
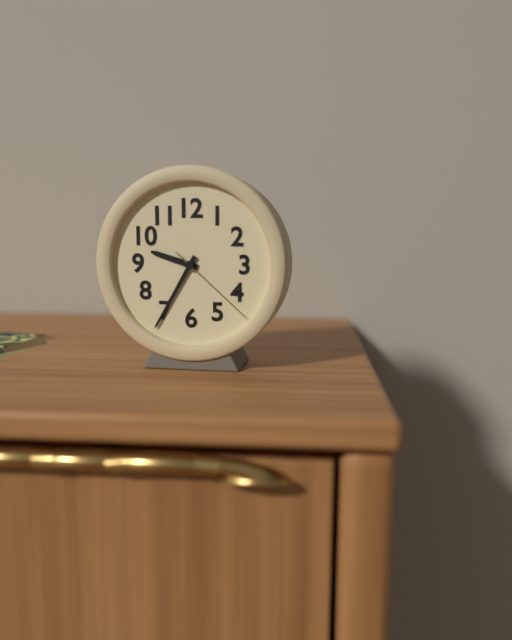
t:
9:35:22
